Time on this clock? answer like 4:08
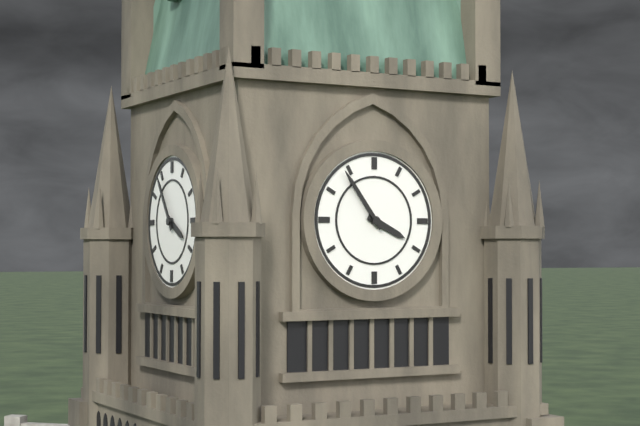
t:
3:54
